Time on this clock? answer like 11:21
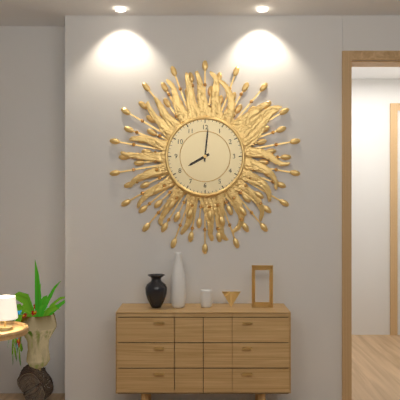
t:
8:01
